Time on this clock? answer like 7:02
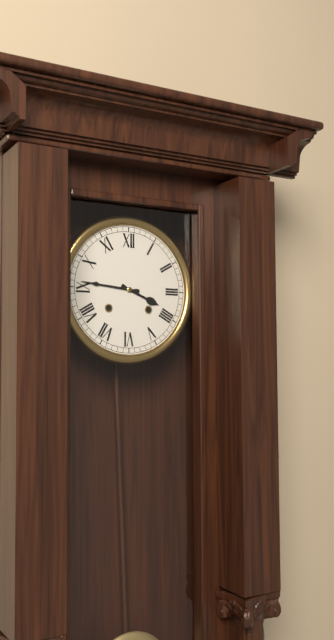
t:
3:46
